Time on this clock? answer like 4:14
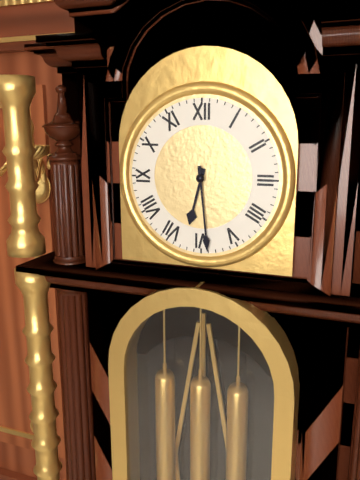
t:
6:29
